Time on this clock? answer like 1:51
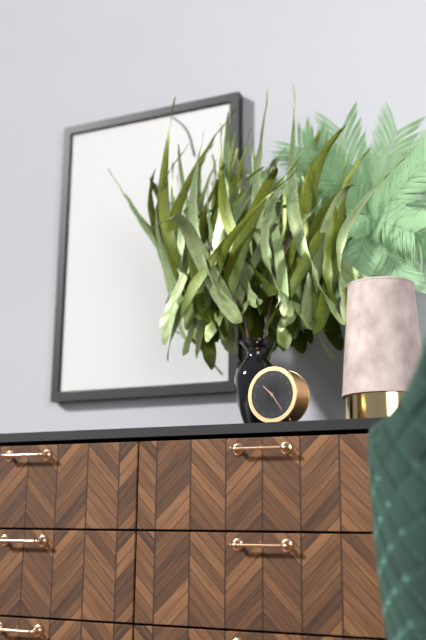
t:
10:24
